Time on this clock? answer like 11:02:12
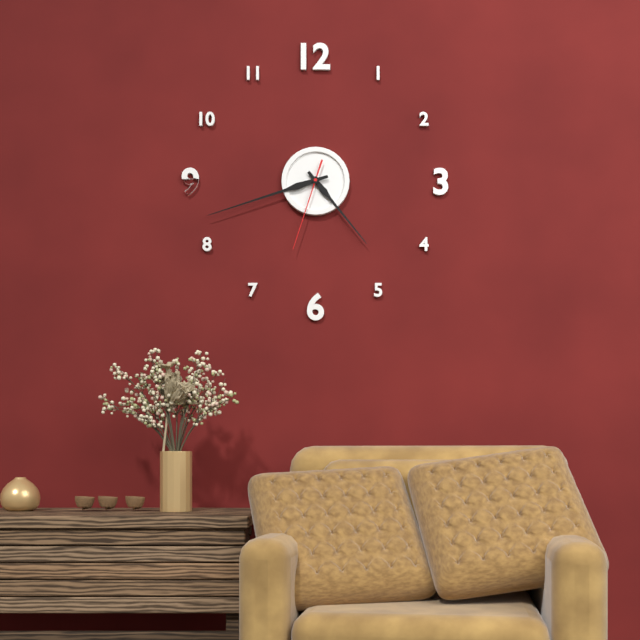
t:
4:42:33
